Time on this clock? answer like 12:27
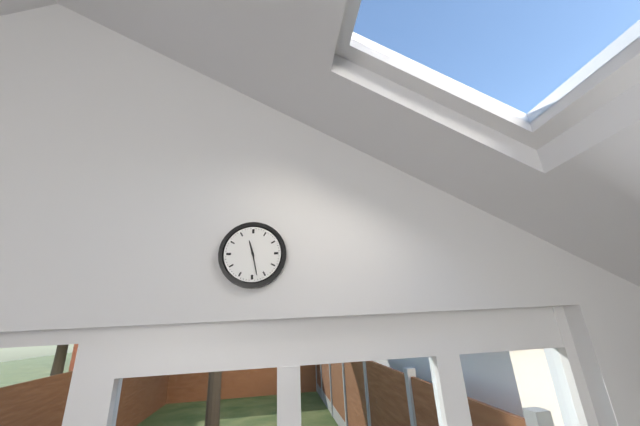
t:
11:28
